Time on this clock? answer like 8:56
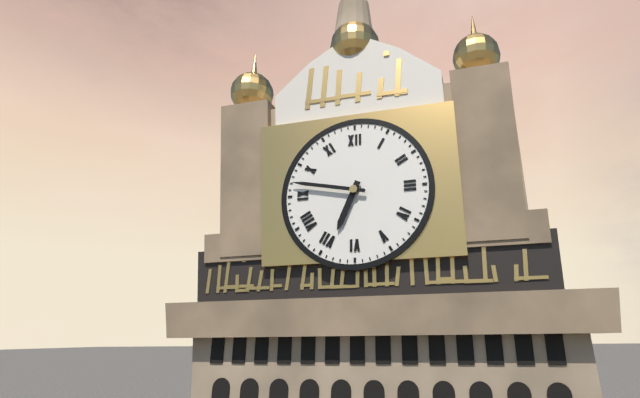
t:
6:47
